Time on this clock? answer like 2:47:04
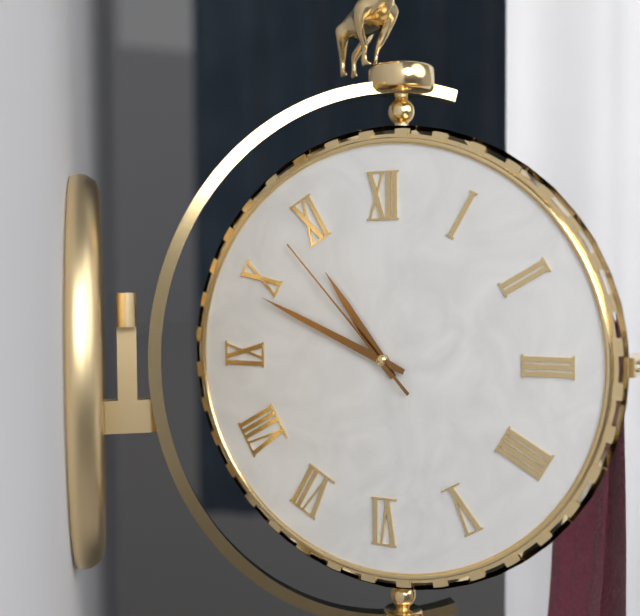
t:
10:49:53
